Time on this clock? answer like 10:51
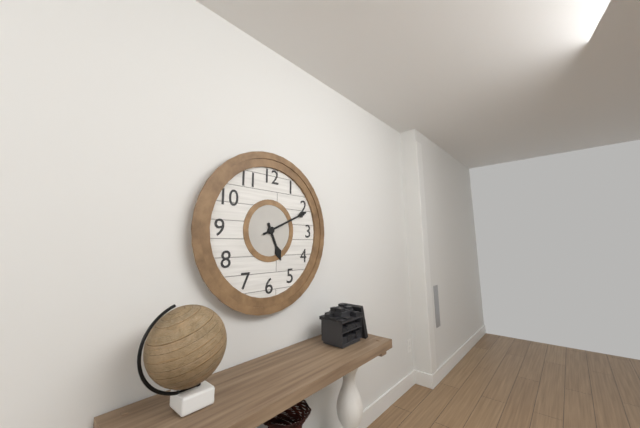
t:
5:11
